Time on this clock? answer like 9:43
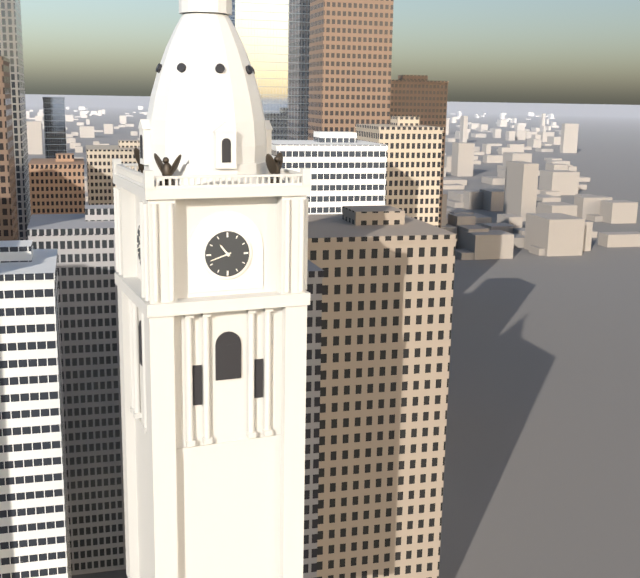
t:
10:42
